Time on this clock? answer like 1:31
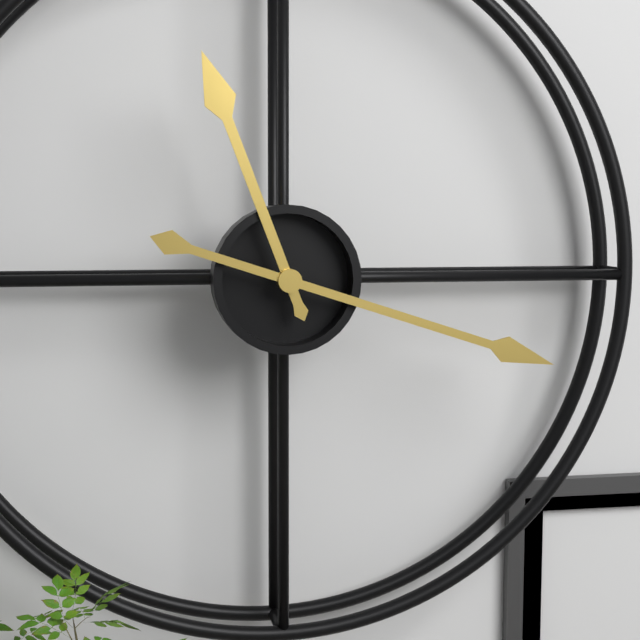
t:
11:18
